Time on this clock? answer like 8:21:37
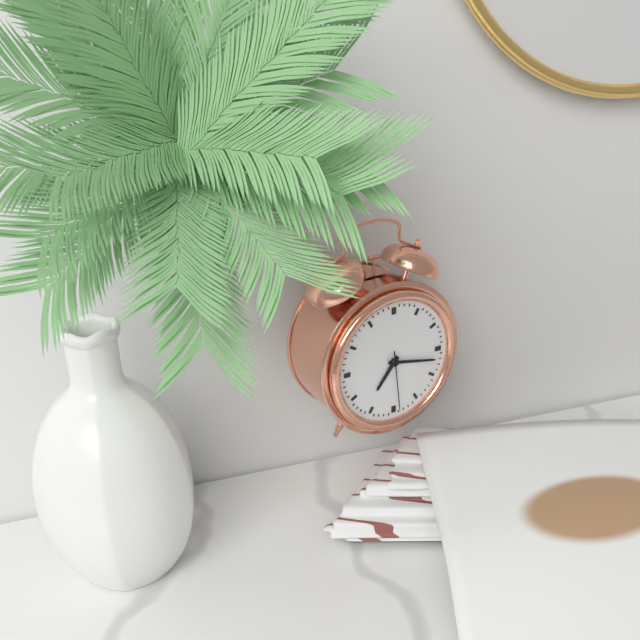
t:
7:17:29
